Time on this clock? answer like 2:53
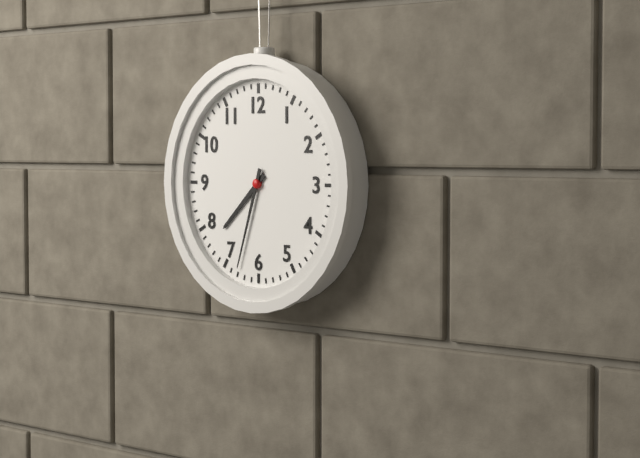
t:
7:33
